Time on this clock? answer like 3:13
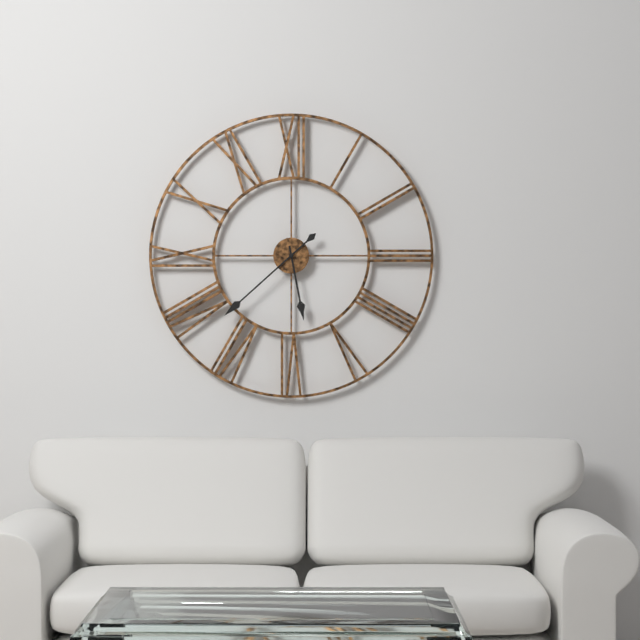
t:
5:38
